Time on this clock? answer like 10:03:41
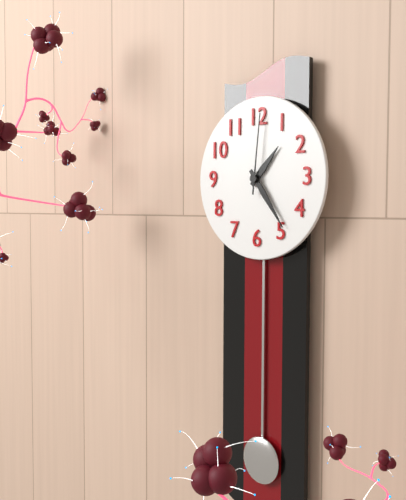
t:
1:24:01
